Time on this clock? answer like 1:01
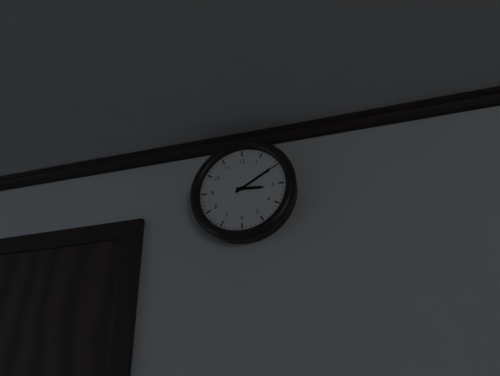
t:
3:10
